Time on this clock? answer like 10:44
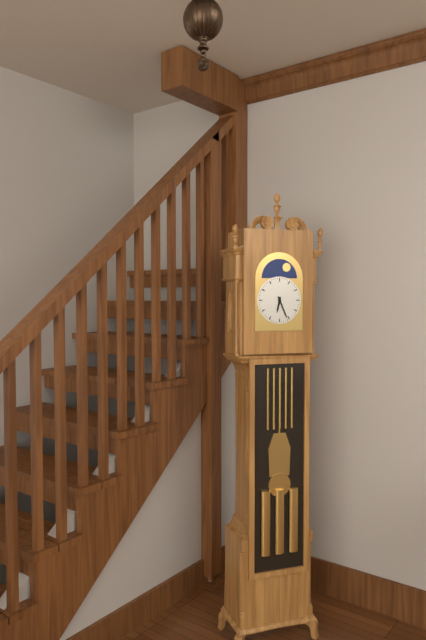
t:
6:26
